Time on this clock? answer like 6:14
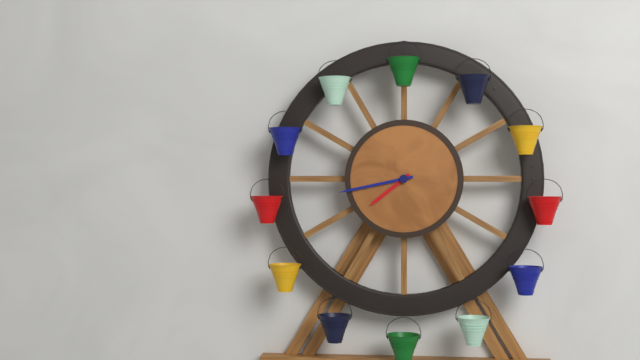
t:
7:43
